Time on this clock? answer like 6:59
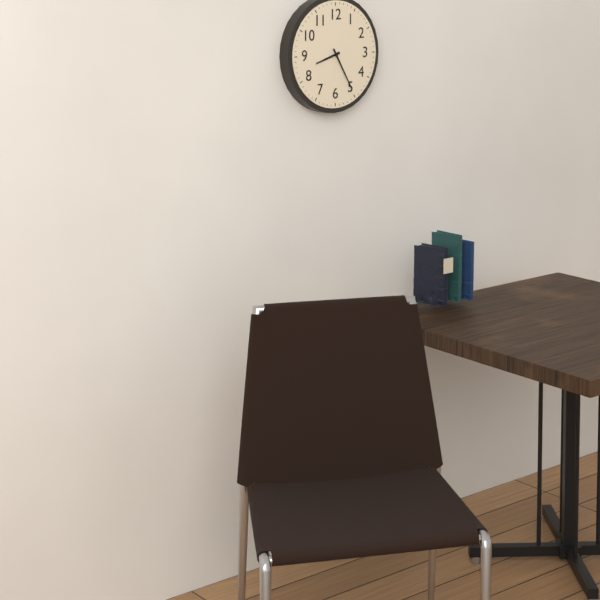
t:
8:25
